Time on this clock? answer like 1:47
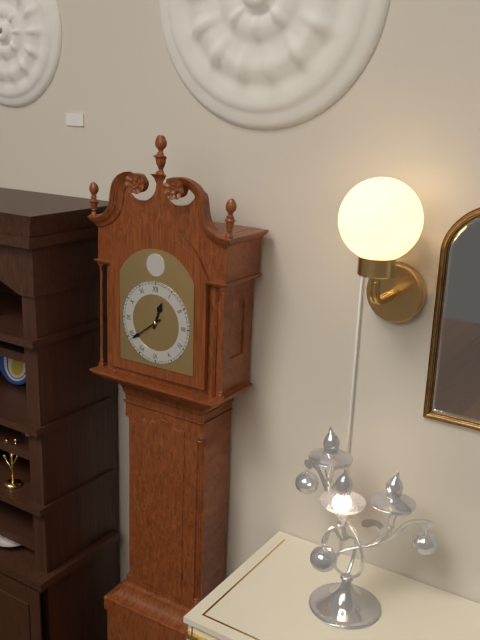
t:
12:39
